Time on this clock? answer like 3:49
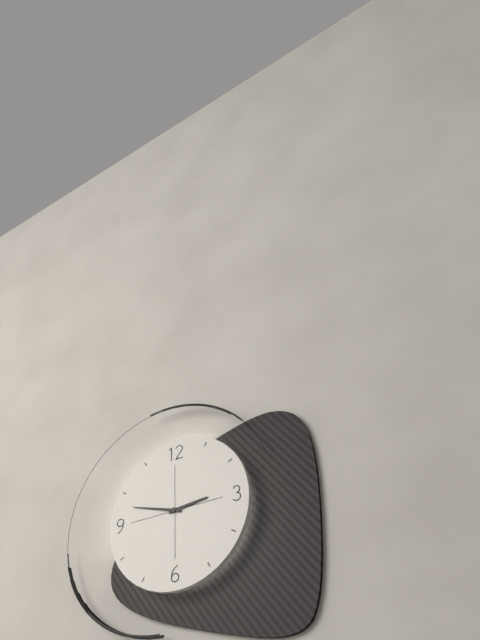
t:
2:48
